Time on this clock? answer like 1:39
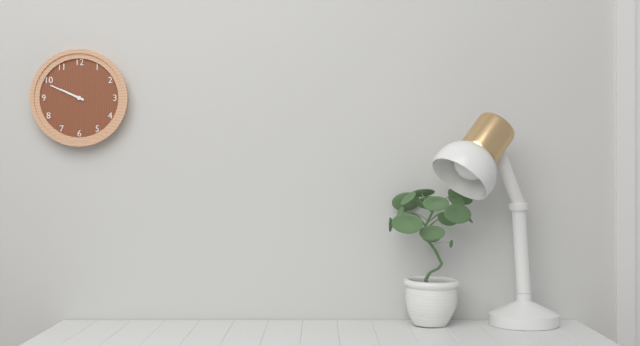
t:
9:49
